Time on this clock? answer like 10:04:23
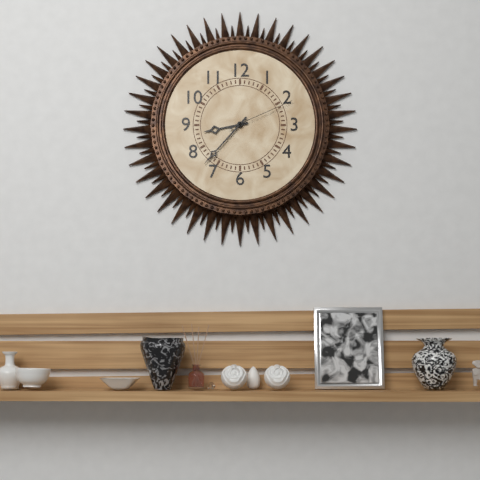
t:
8:37:11
